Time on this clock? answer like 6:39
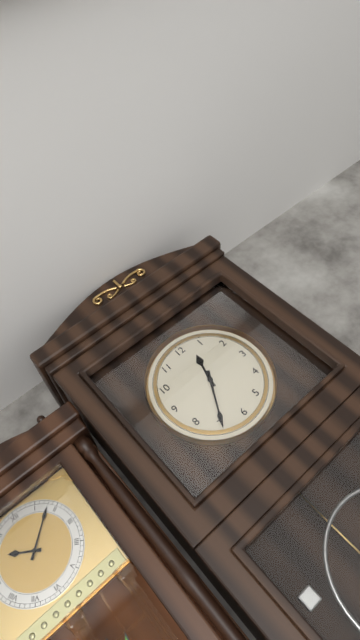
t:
12:35
